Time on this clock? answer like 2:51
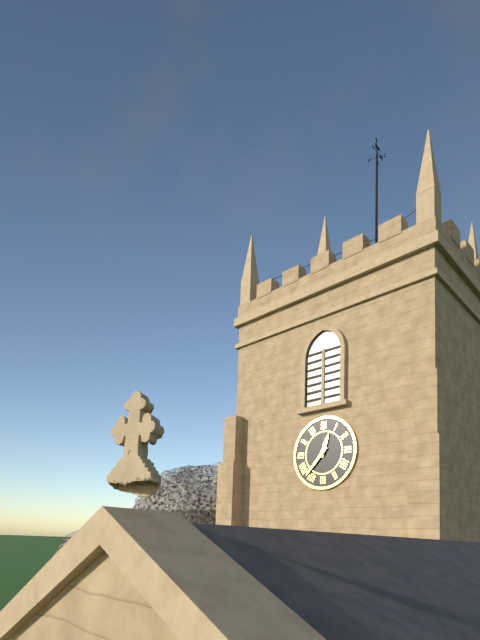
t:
12:37
